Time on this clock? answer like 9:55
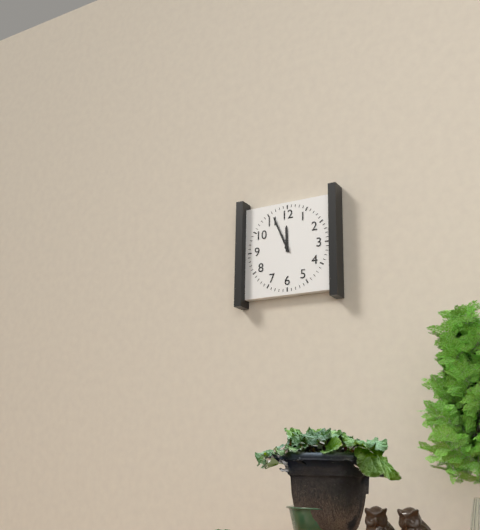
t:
11:56
